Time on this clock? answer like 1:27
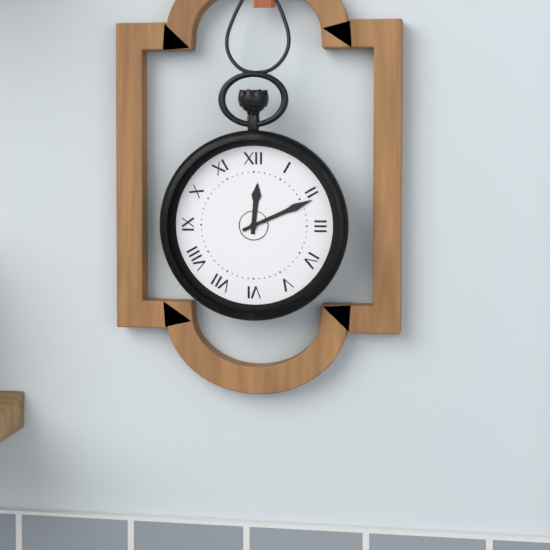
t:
12:11
